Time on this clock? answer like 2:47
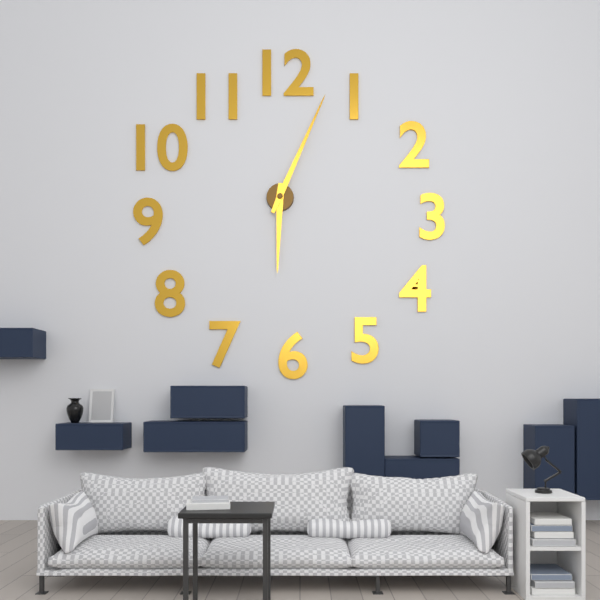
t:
6:04
